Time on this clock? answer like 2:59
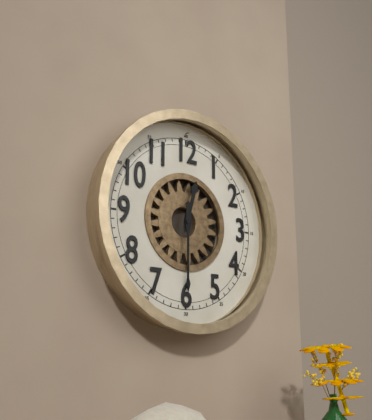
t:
12:30
